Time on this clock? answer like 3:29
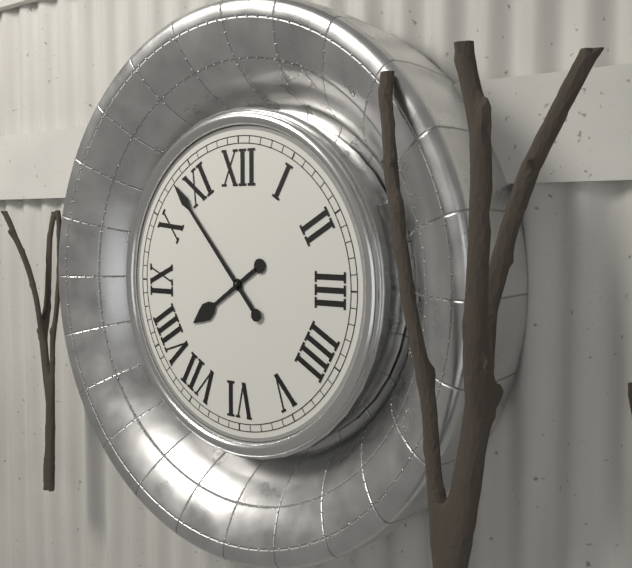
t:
7:53
